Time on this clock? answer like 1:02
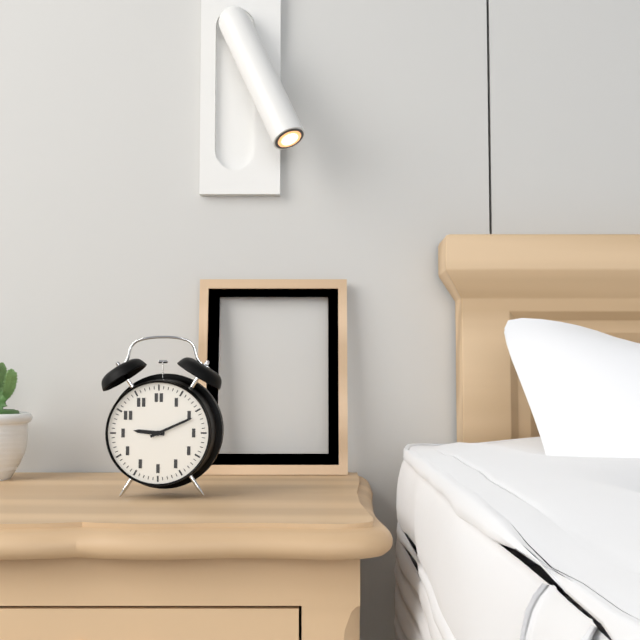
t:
9:11
